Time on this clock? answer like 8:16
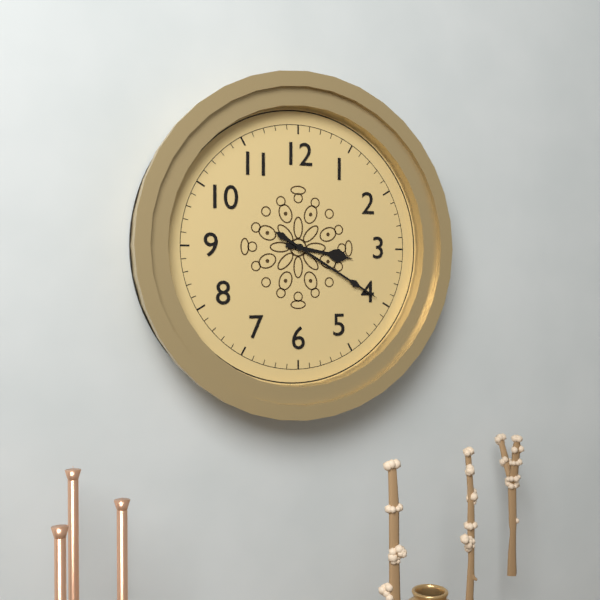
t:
3:20
